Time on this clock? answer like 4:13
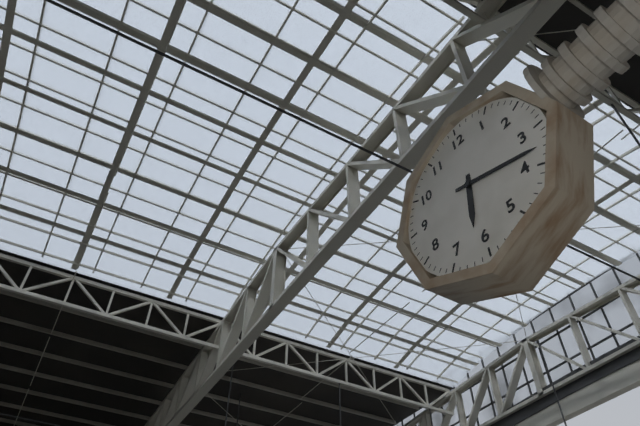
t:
6:18
